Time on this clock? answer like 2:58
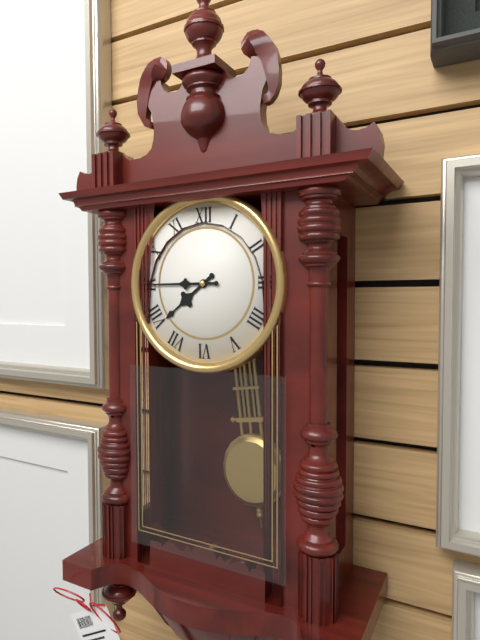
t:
7:45
